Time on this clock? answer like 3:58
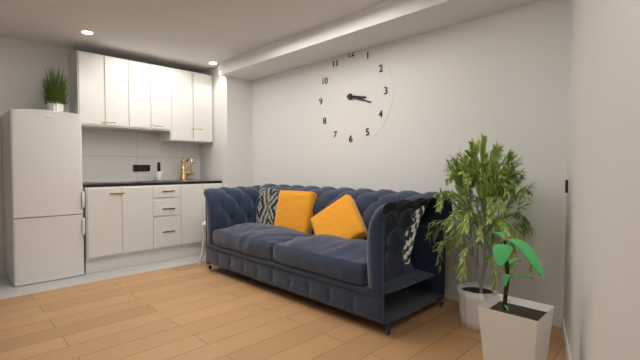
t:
3:18
